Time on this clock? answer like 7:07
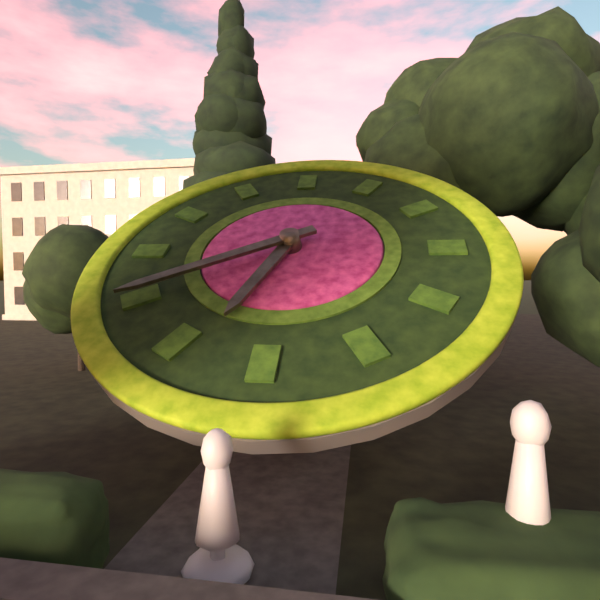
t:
6:40
